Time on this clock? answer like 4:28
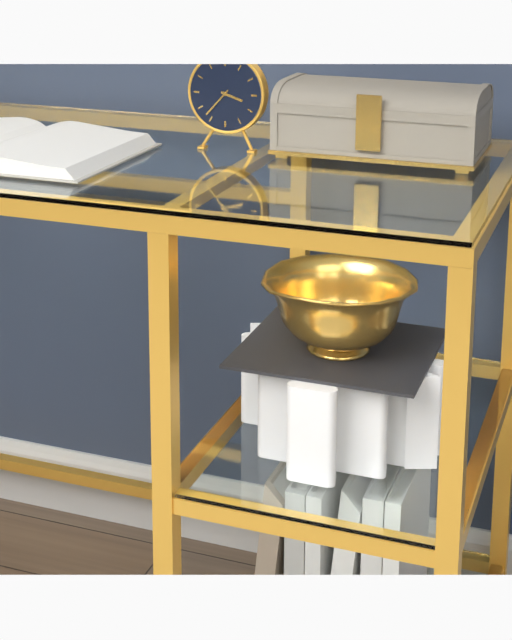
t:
3:37
